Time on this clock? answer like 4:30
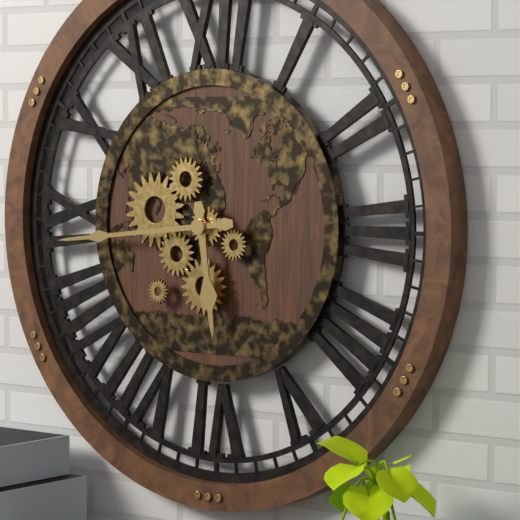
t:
5:44
